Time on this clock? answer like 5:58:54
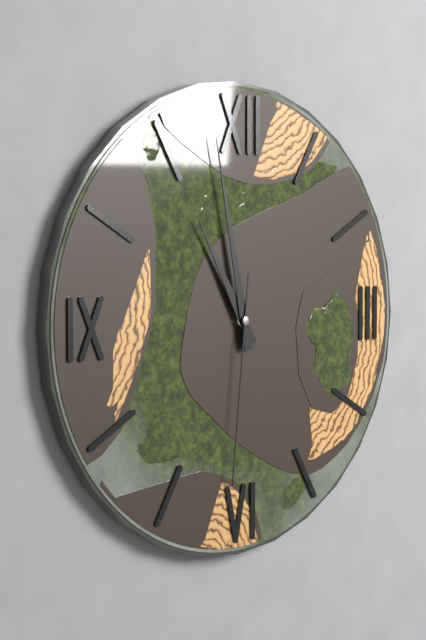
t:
10:58:31
